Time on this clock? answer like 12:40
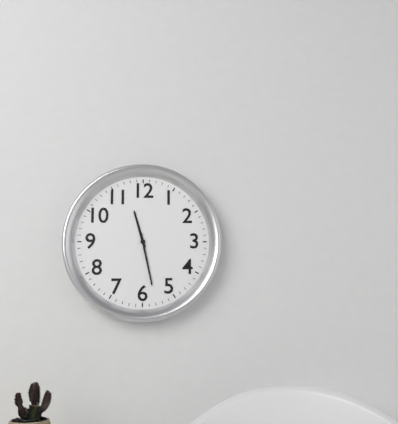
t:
11:28
